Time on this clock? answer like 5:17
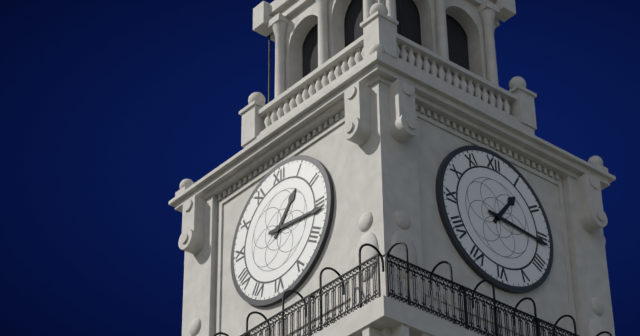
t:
1:16
